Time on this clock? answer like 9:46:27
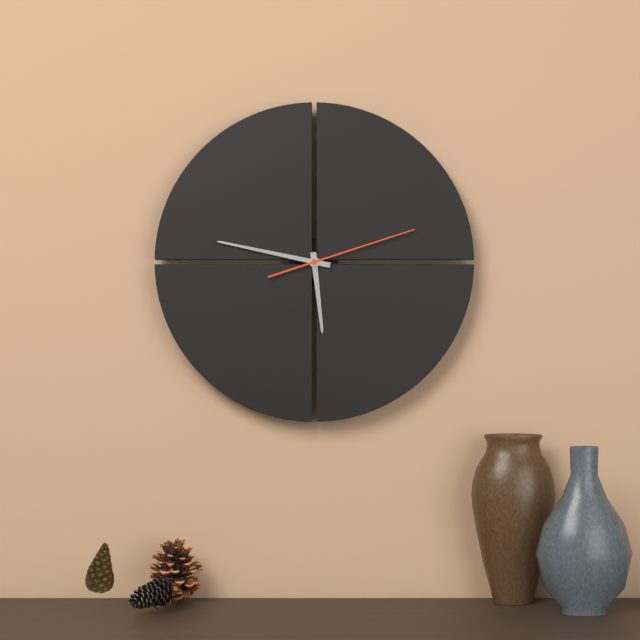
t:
5:47:12
